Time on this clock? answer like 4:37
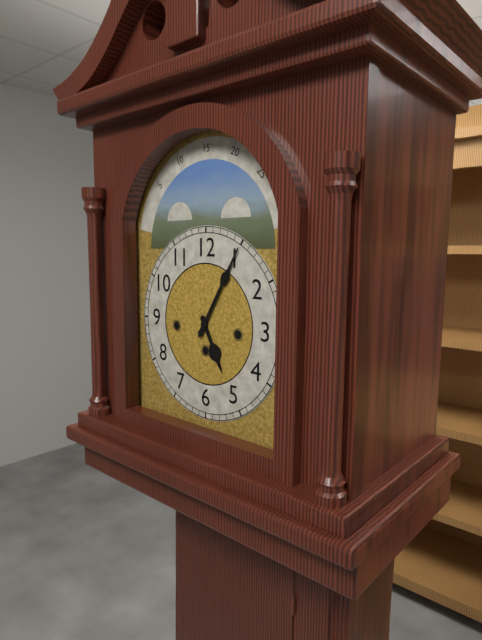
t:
5:05
